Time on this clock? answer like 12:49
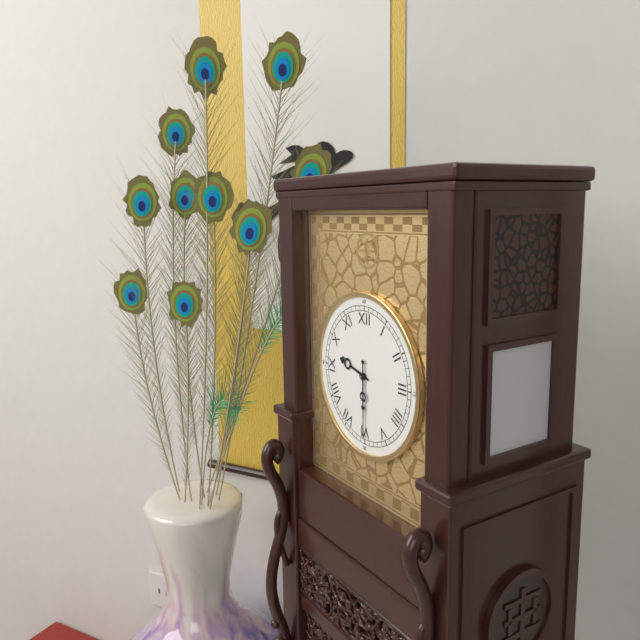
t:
9:30
